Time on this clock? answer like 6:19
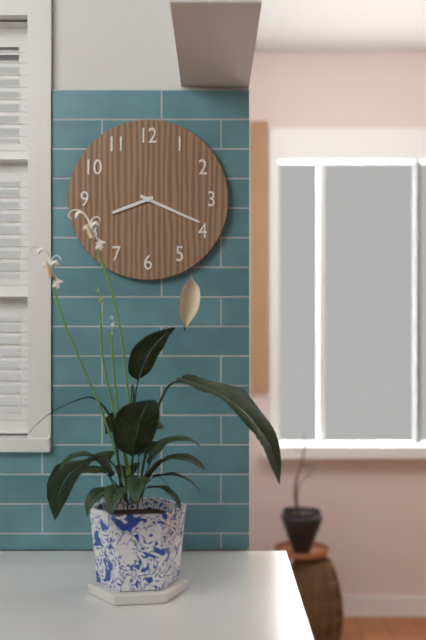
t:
8:19
